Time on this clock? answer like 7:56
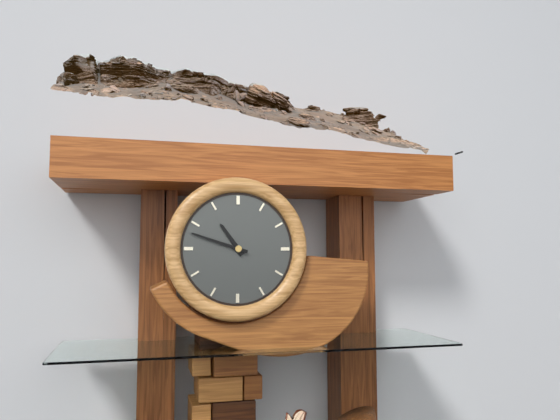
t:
10:48
